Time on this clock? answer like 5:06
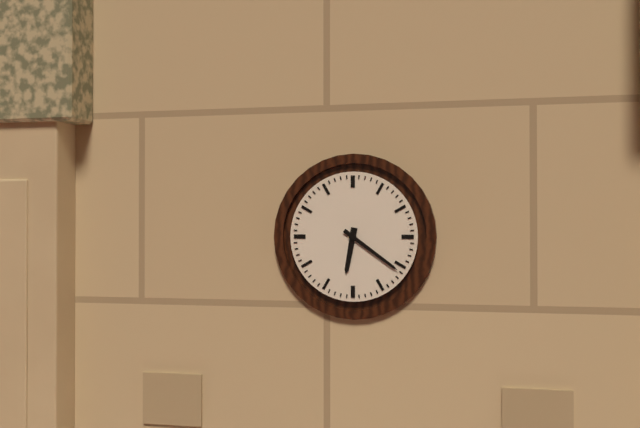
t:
6:21
